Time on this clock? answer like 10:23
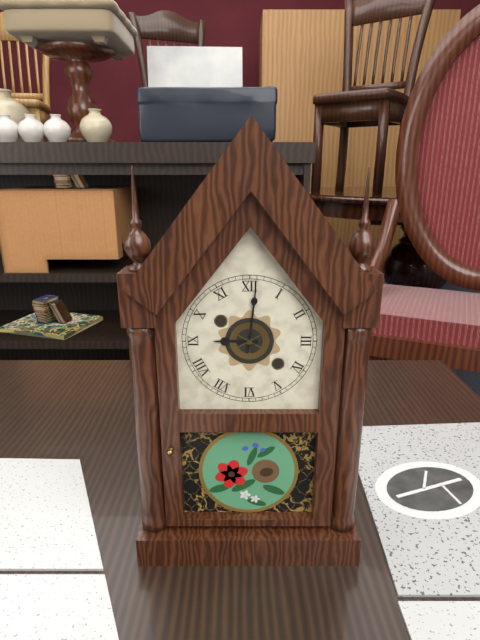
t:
9:01
